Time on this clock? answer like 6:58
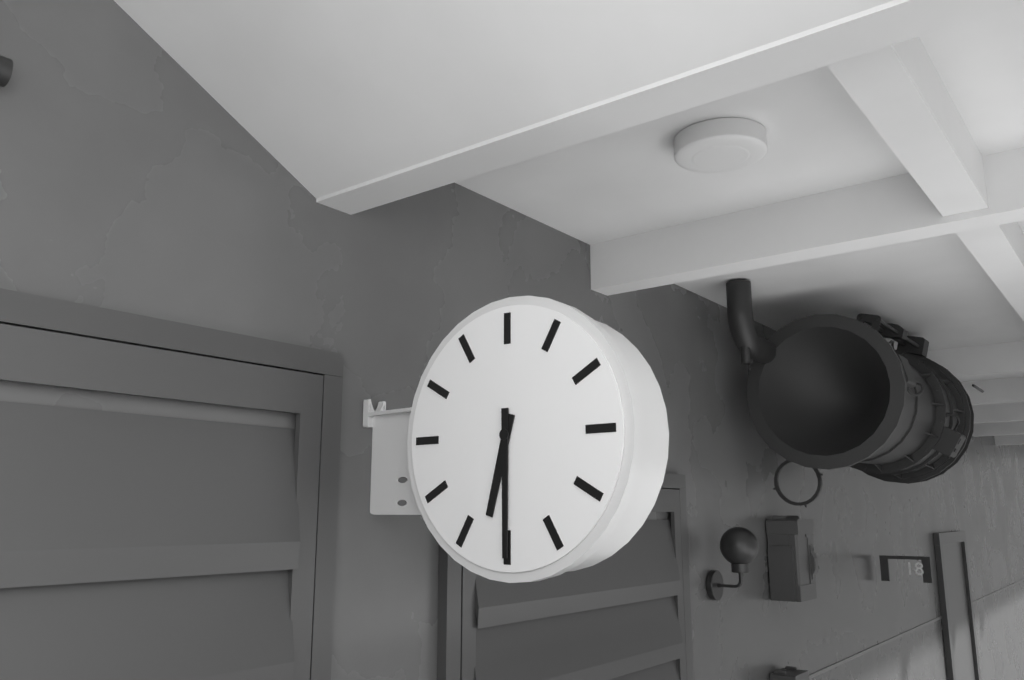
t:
6:30
